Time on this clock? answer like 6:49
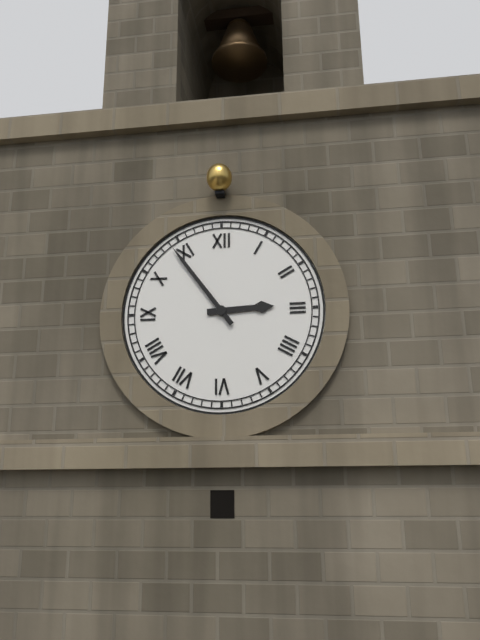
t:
2:54
